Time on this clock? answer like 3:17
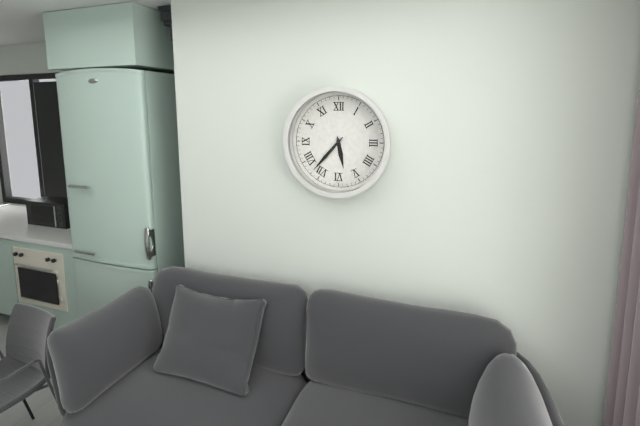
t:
5:37
